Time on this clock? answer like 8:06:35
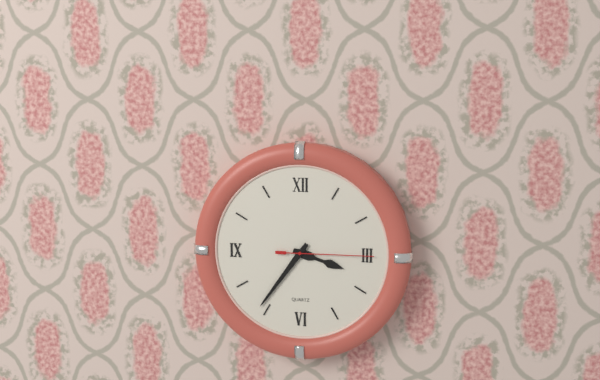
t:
3:36:15
